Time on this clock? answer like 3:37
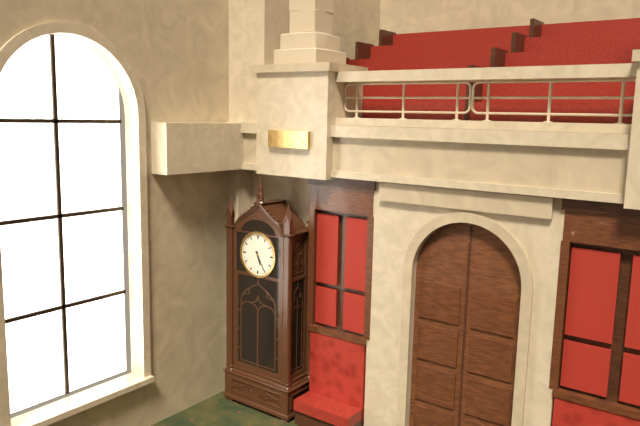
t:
5:25
